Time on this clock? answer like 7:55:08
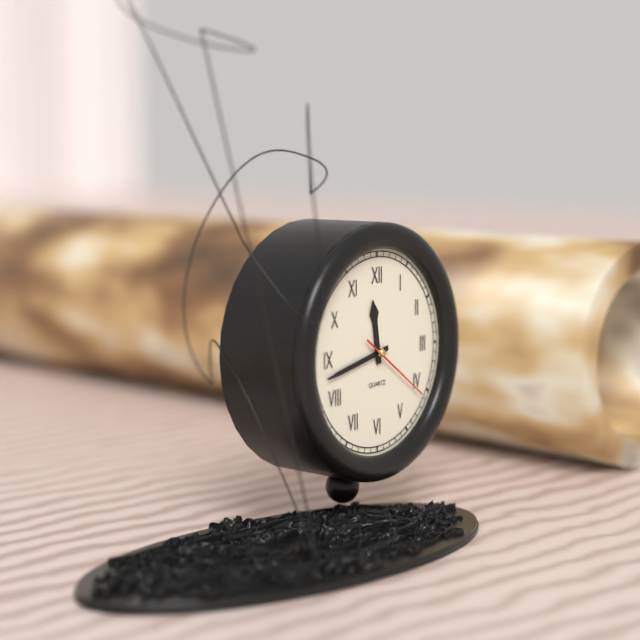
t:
11:43:21
